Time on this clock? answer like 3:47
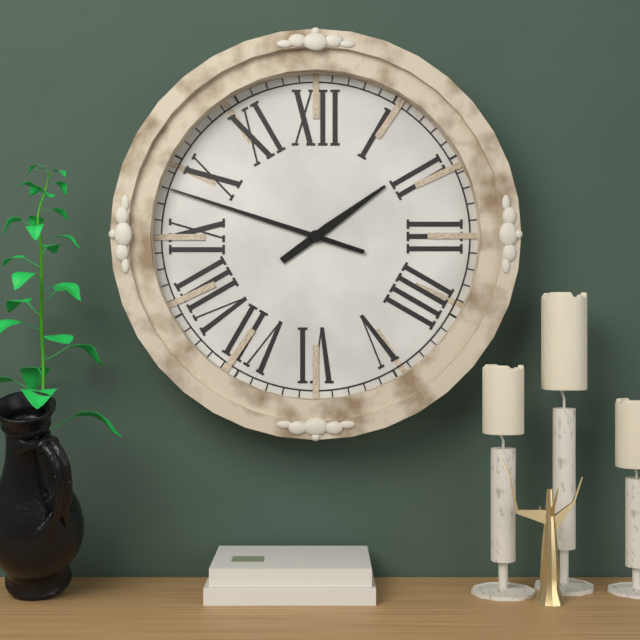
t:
1:48
